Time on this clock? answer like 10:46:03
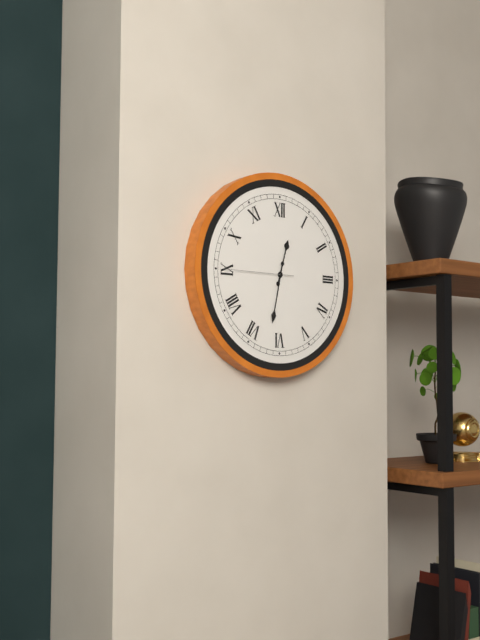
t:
12:32:45
